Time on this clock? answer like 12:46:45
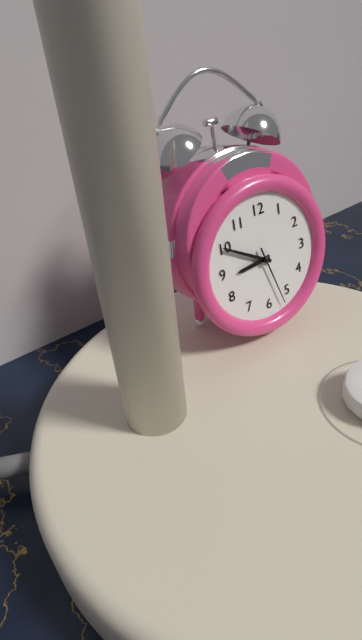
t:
8:50:27
